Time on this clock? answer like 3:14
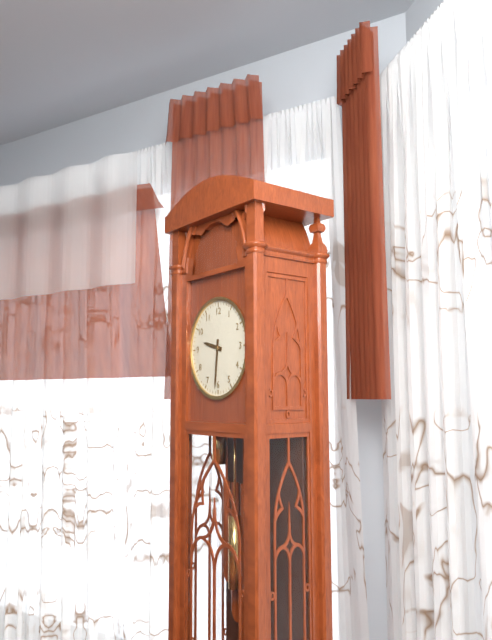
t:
9:31
